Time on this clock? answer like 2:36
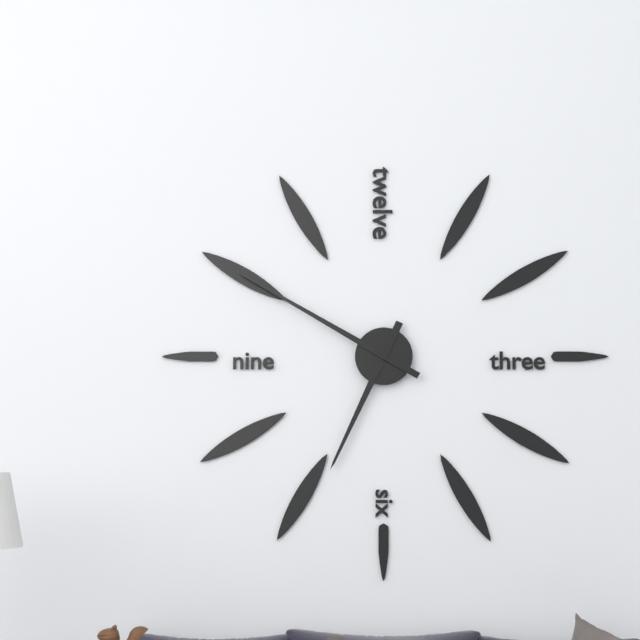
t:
6:50
